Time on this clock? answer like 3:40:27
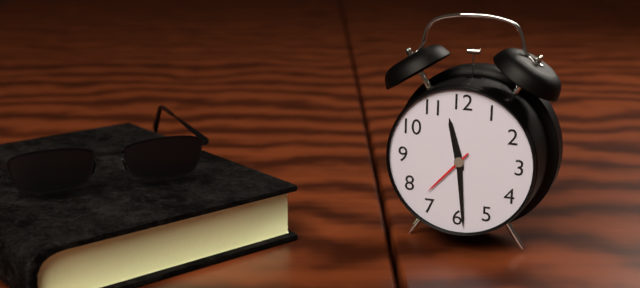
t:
11:29:37
